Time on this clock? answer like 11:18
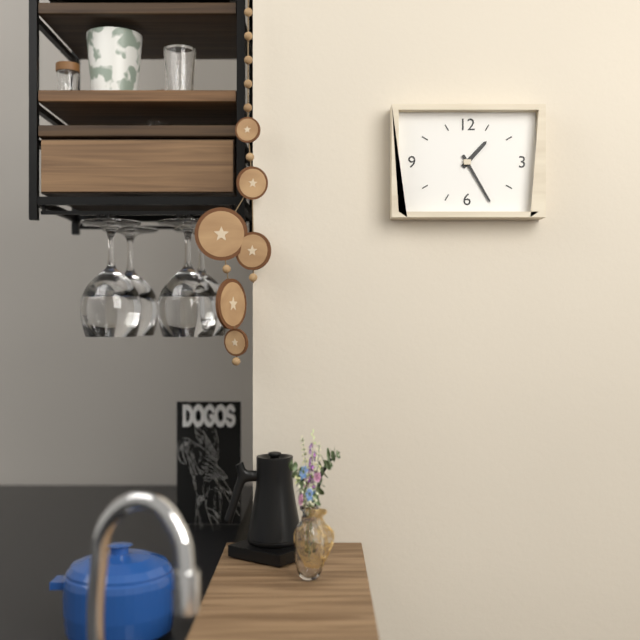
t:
1:25
